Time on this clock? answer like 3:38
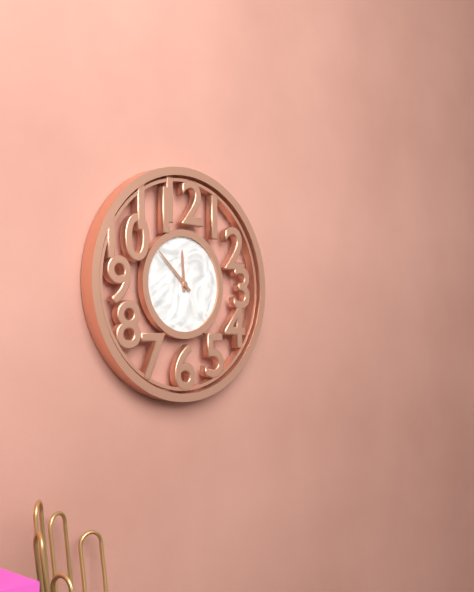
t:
11:52
